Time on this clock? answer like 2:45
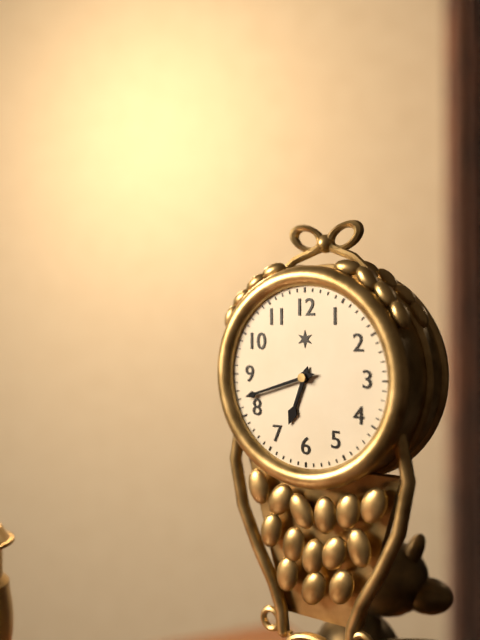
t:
6:42
